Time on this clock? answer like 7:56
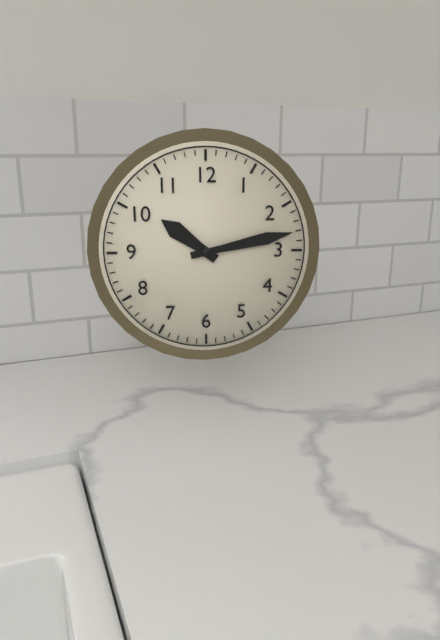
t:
10:13
